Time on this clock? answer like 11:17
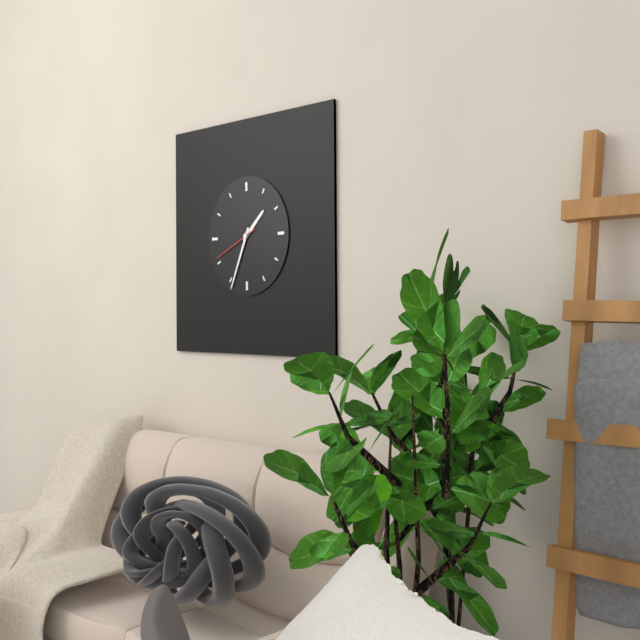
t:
1:34
